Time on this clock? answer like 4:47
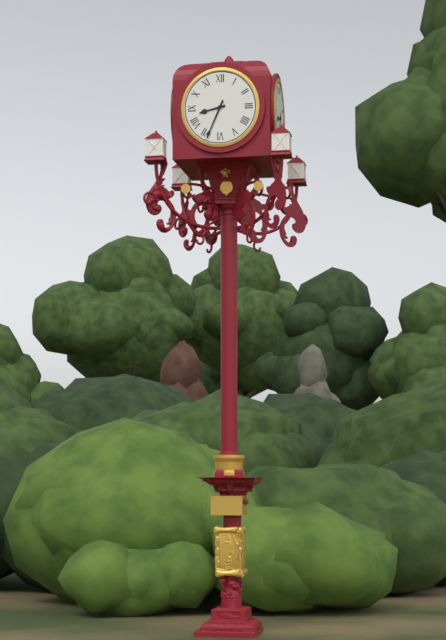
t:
8:34
